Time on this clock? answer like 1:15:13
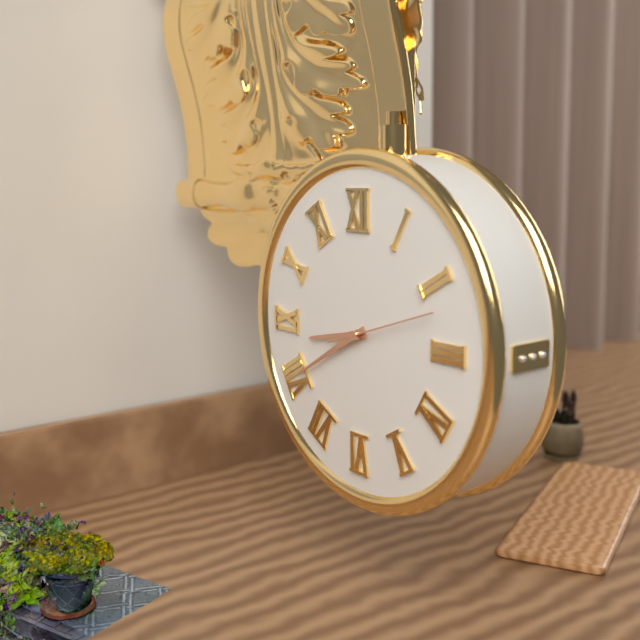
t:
8:40:12
